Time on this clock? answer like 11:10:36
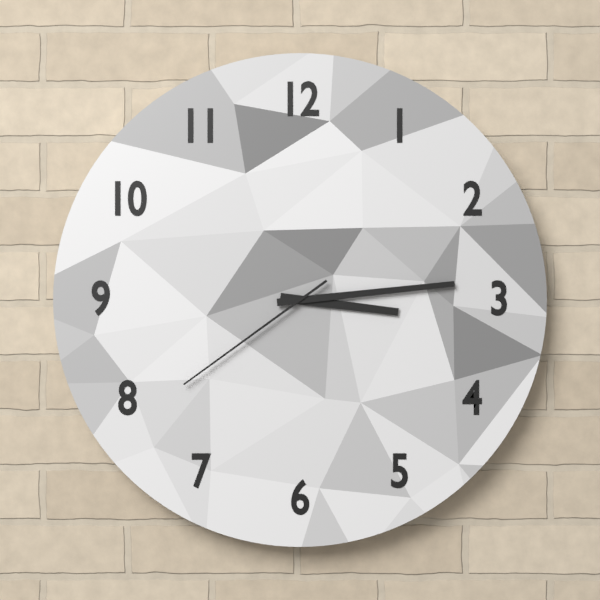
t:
3:14:39
